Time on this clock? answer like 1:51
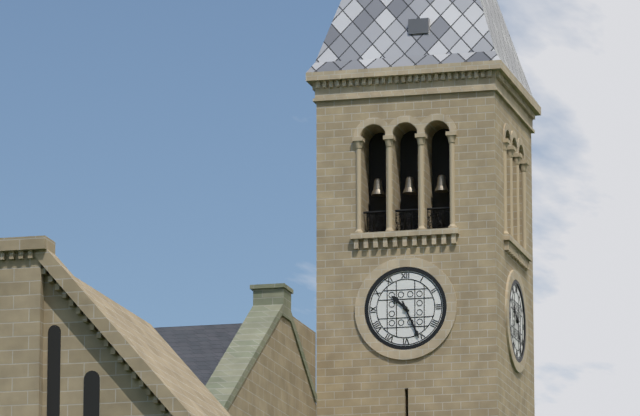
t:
10:26
